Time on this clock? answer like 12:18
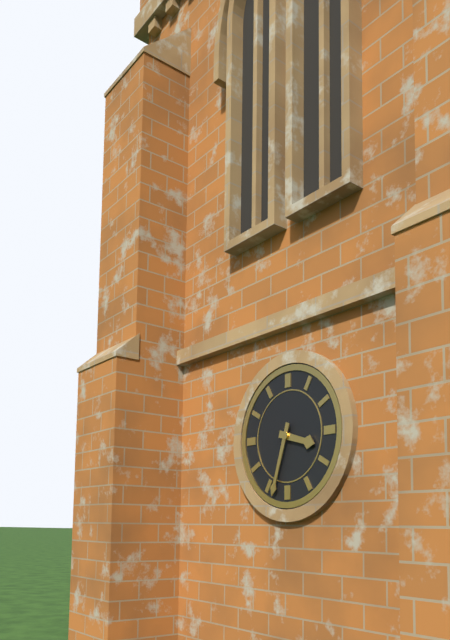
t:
3:33
